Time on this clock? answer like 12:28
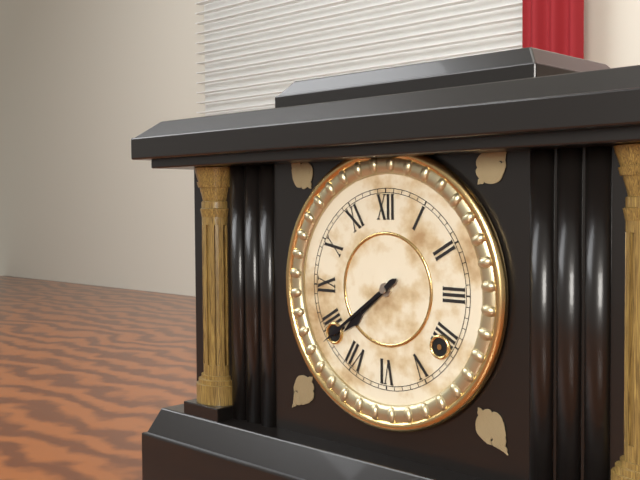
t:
7:39
